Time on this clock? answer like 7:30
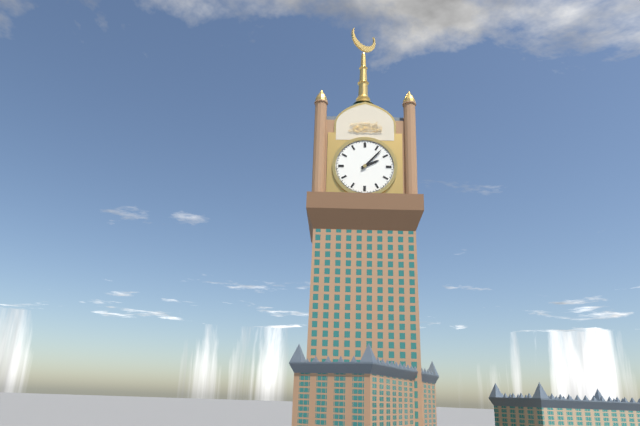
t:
2:07
